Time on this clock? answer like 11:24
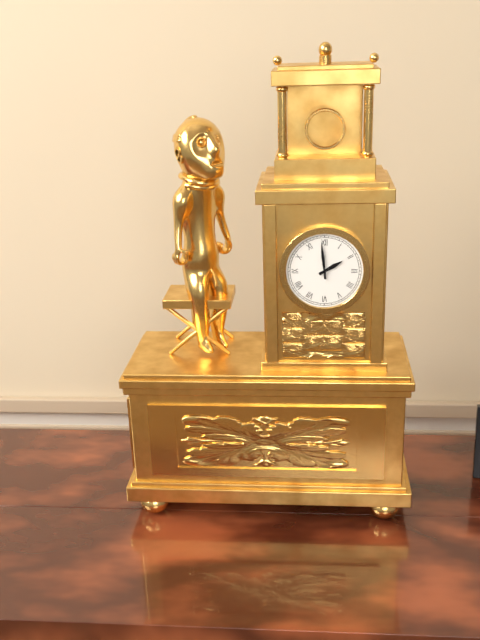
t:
1:59
